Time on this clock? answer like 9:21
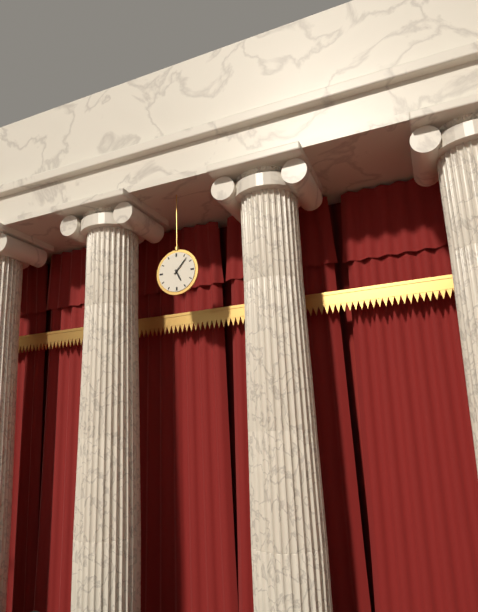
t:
5:07
